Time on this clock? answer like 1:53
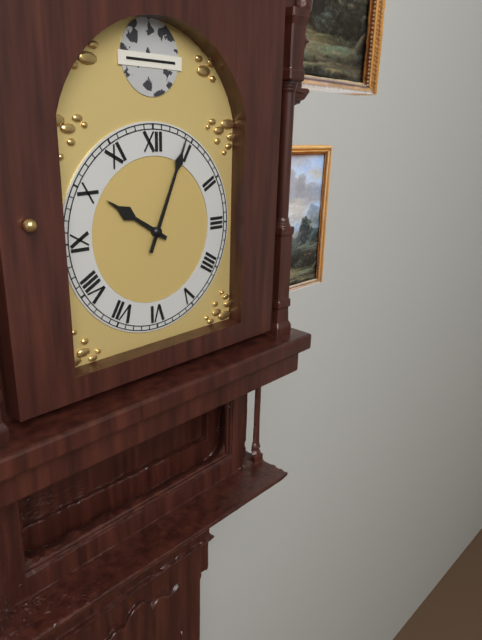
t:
10:04
